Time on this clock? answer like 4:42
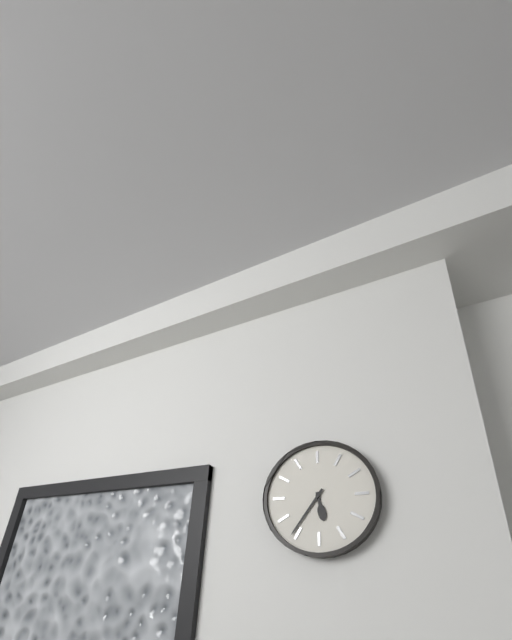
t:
5:36
